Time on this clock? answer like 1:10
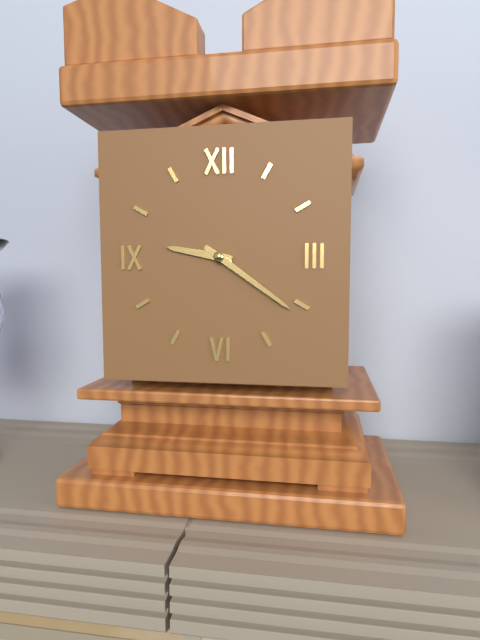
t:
9:21
